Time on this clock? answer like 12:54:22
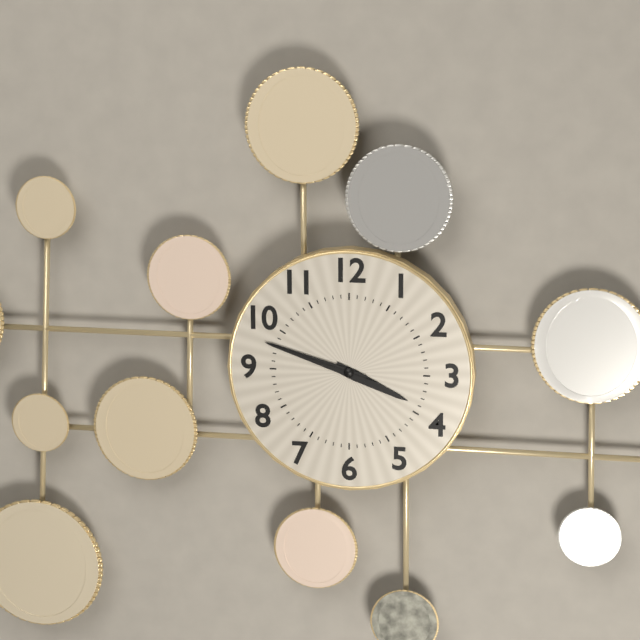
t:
3:48:48
